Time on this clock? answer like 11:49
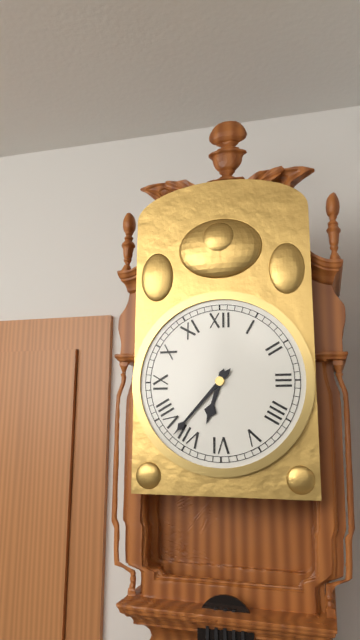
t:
6:37
